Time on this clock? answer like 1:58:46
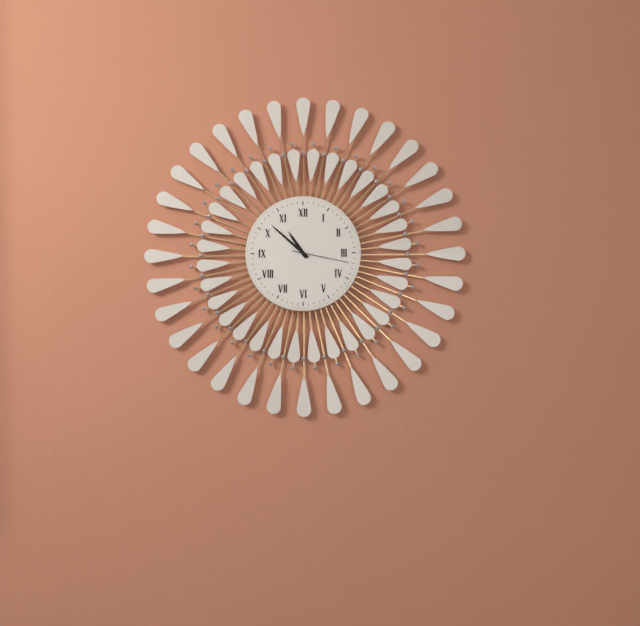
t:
10:52:17
